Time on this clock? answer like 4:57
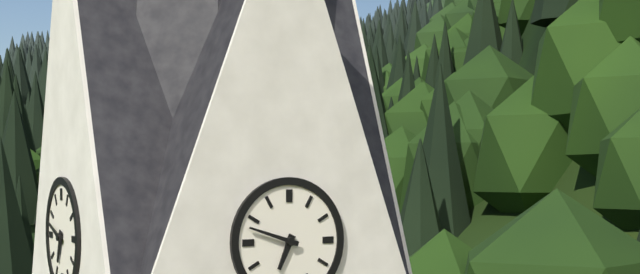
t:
6:48
